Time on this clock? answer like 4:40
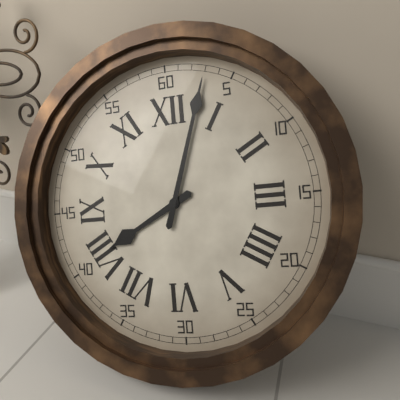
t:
8:03
